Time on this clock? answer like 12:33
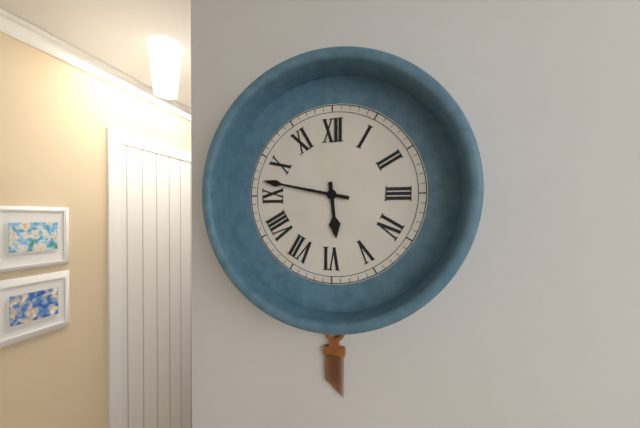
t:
5:47
